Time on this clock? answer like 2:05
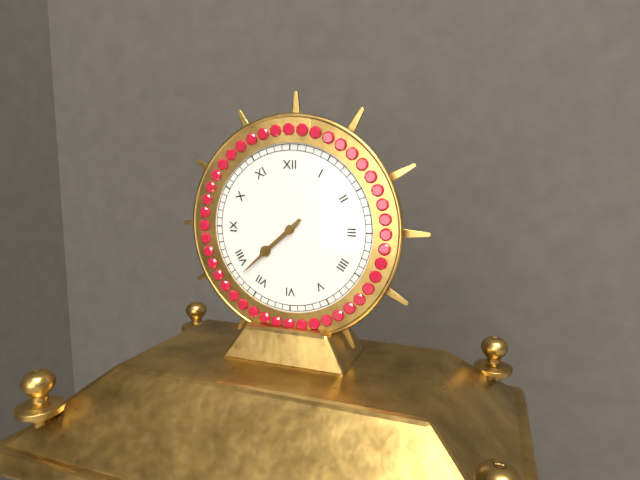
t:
7:38
